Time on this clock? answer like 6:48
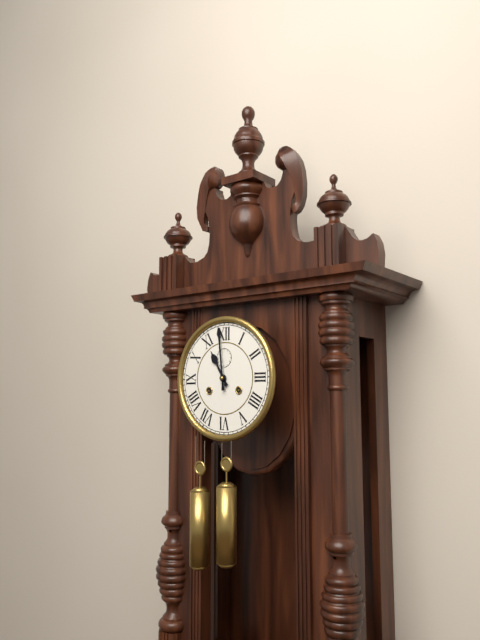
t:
10:59
